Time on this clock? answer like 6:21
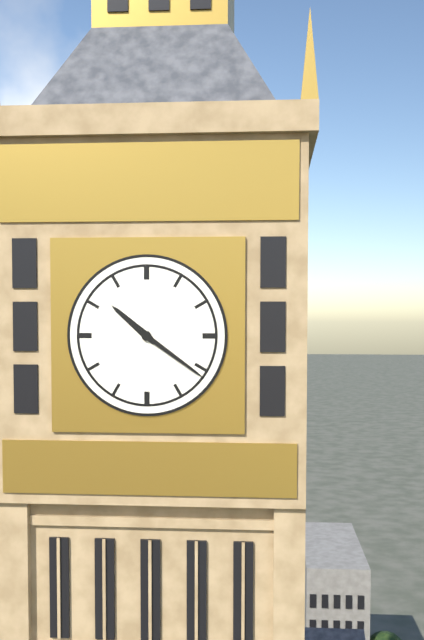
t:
10:21
